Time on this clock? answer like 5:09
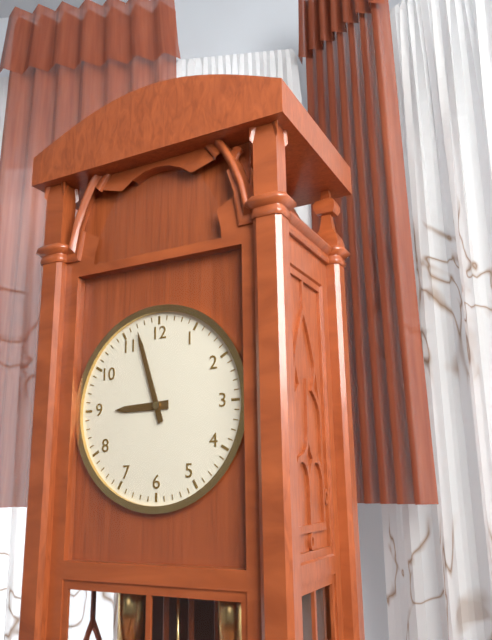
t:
8:57
